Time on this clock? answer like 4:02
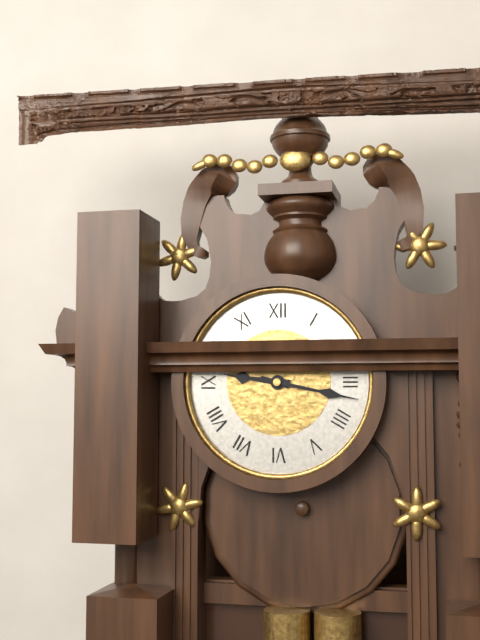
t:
9:17
